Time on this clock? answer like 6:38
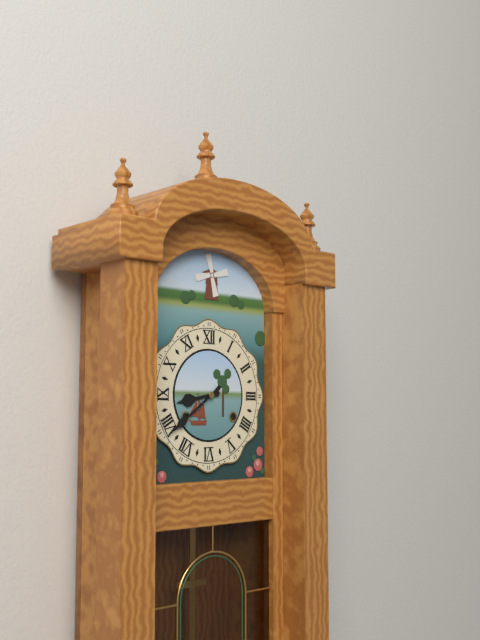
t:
8:39
